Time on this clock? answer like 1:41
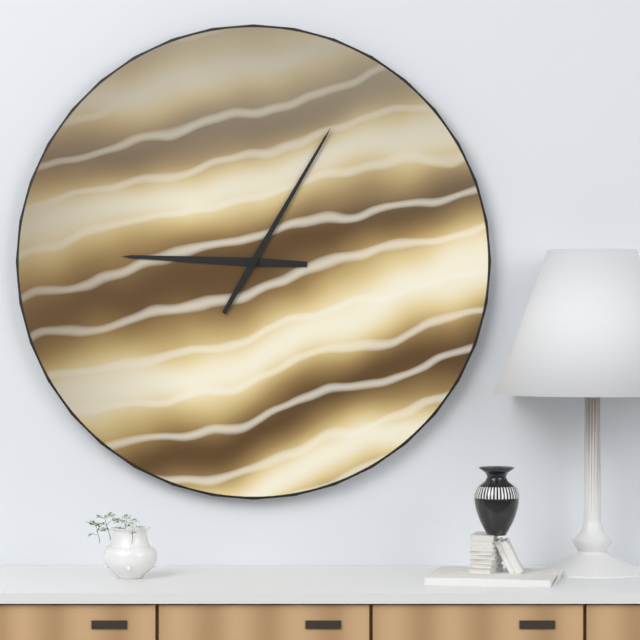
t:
9:05
